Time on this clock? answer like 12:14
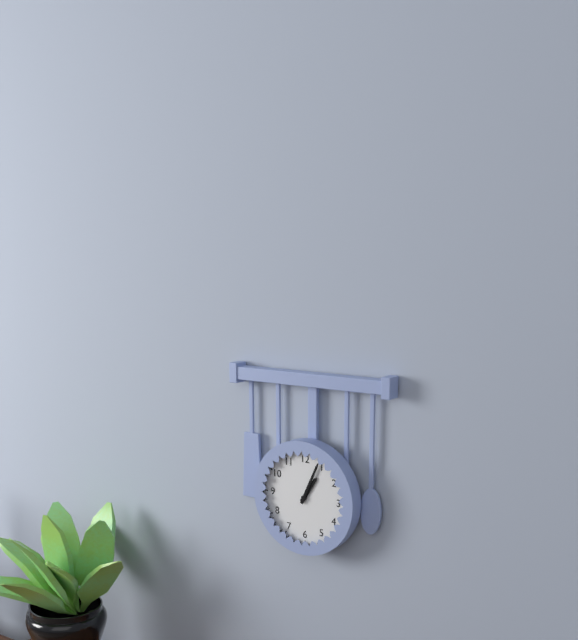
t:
1:04
